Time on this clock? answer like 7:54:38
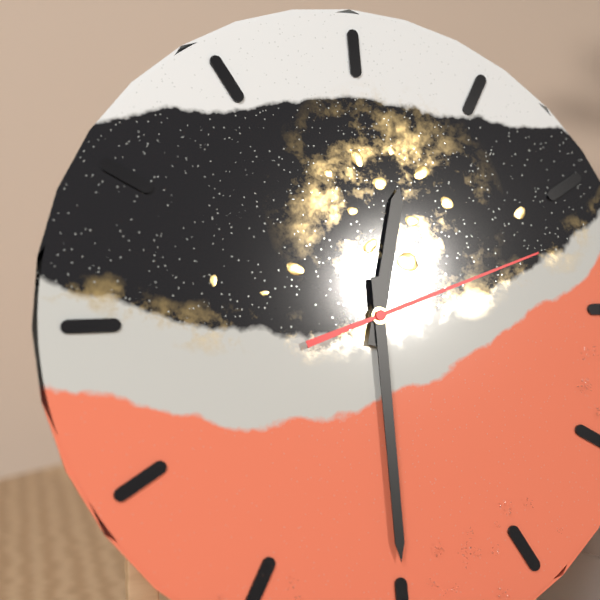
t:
12:30:12
